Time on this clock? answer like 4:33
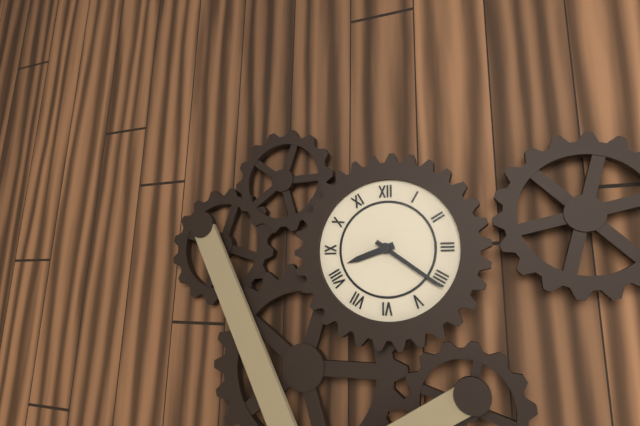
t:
8:21
